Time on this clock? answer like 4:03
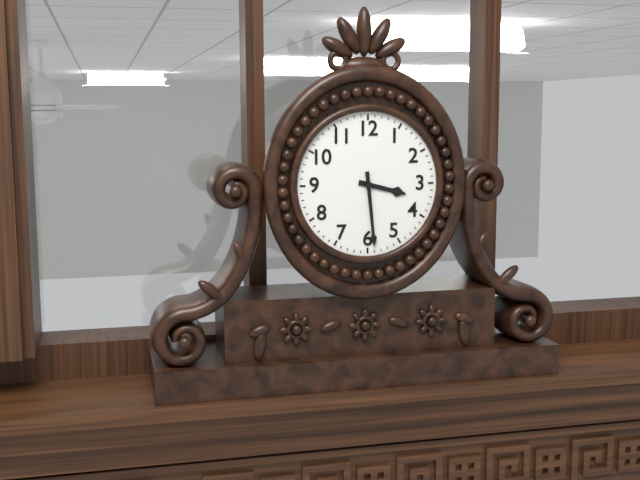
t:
3:29
